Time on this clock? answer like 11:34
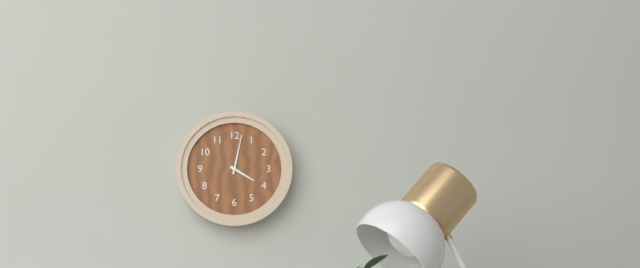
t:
4:02
